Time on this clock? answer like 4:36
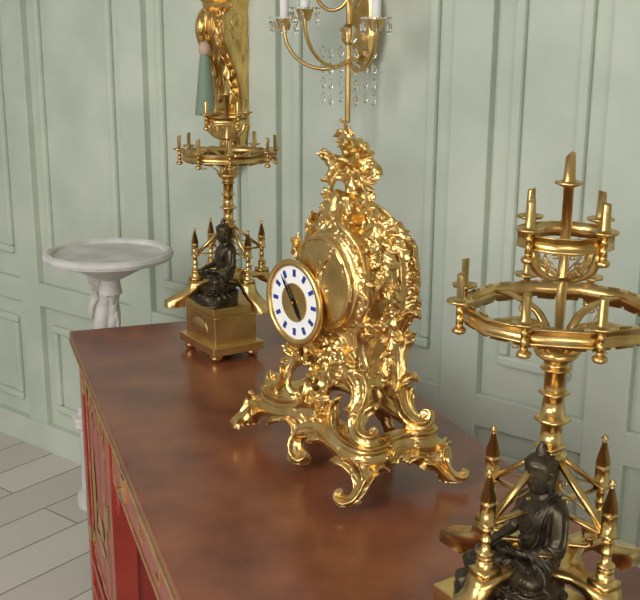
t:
4:54
